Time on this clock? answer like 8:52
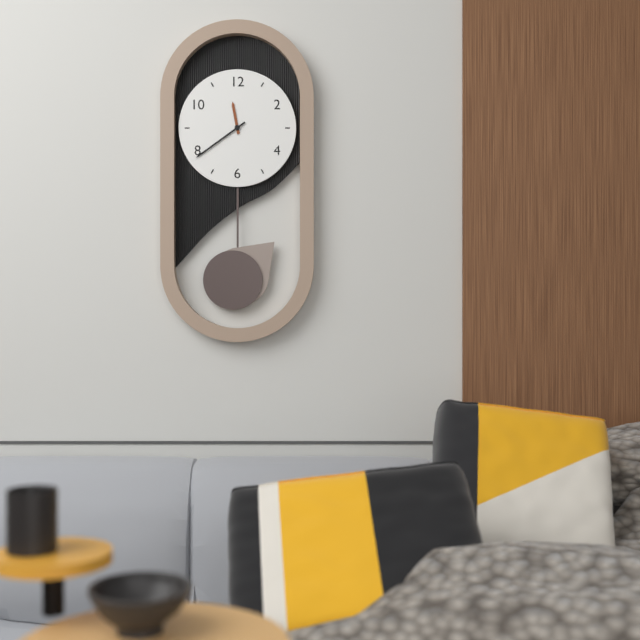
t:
11:39
